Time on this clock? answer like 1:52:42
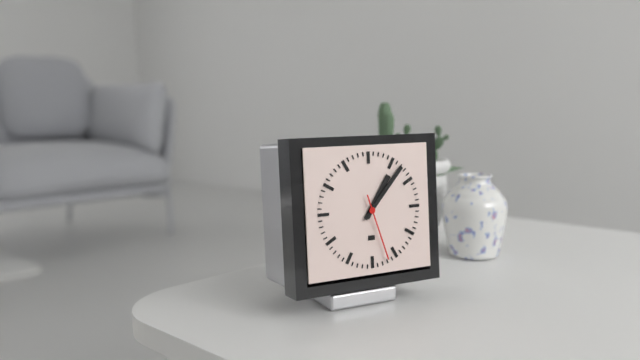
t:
1:07:27
